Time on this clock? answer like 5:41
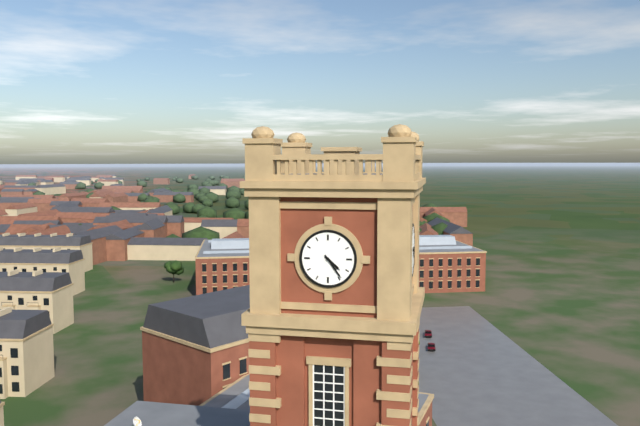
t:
4:24
